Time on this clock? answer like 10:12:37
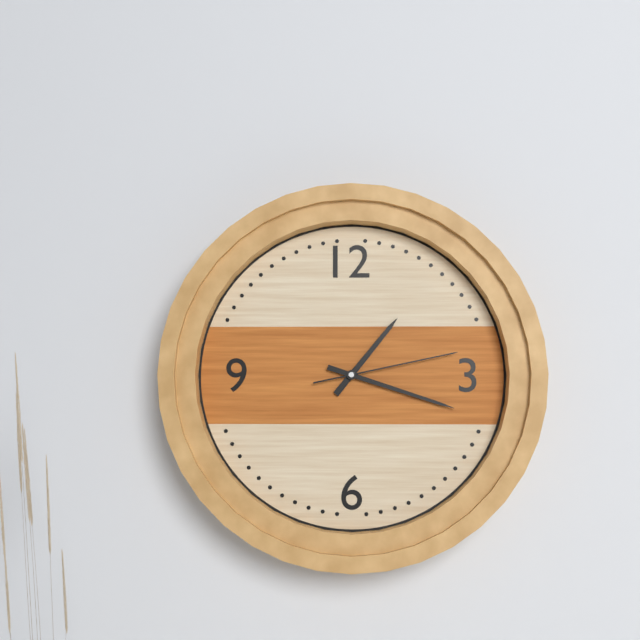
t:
1:18:13
